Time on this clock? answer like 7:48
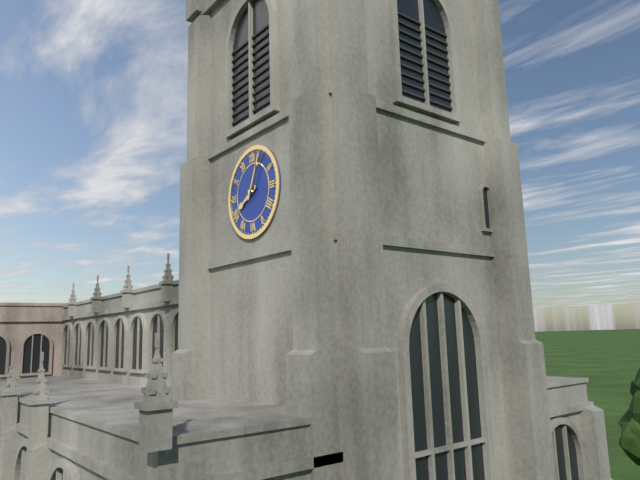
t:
8:04
